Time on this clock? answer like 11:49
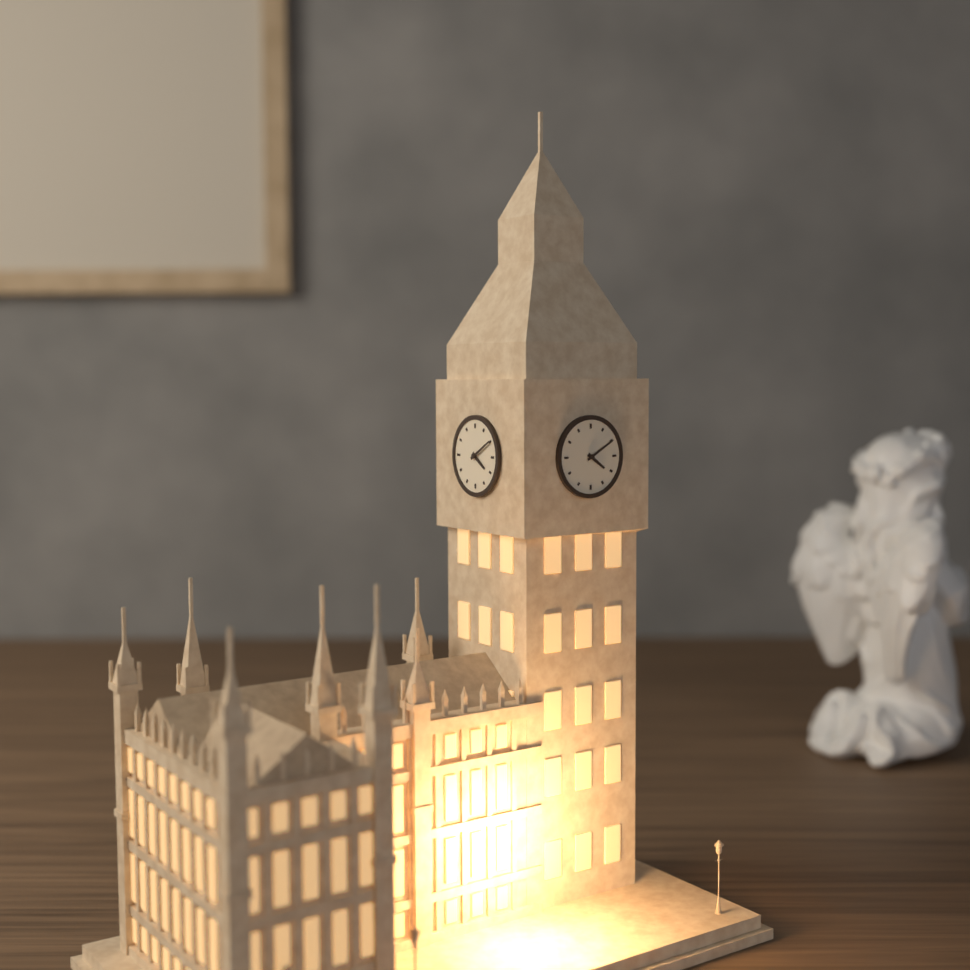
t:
4:10
